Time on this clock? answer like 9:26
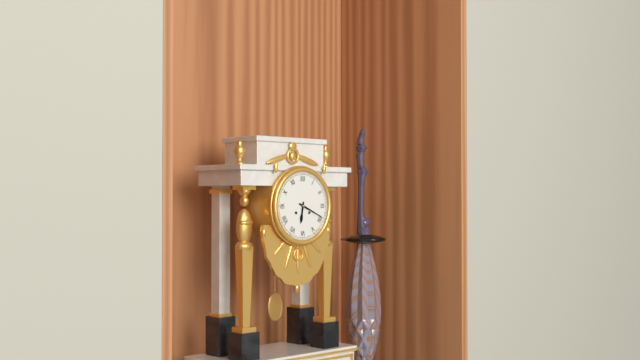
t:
6:19
